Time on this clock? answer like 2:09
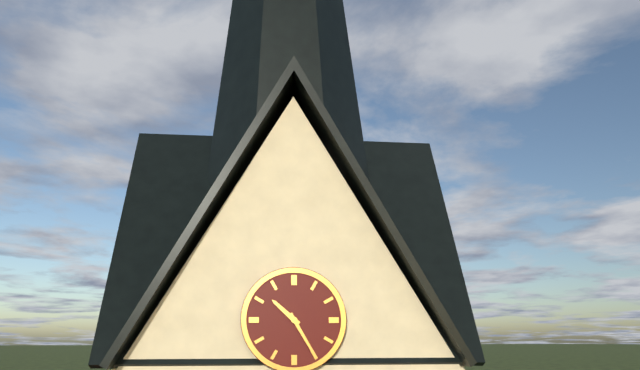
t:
10:25
